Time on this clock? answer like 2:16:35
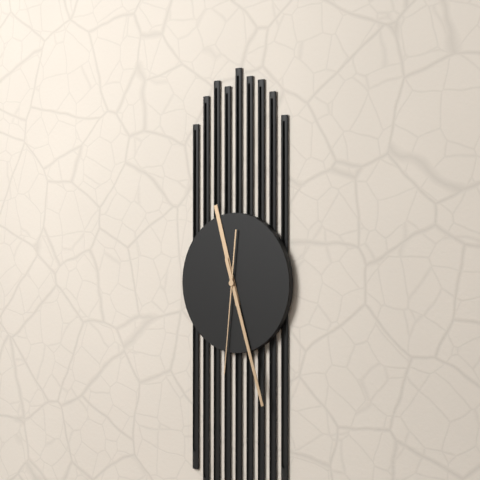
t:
11:27:31
